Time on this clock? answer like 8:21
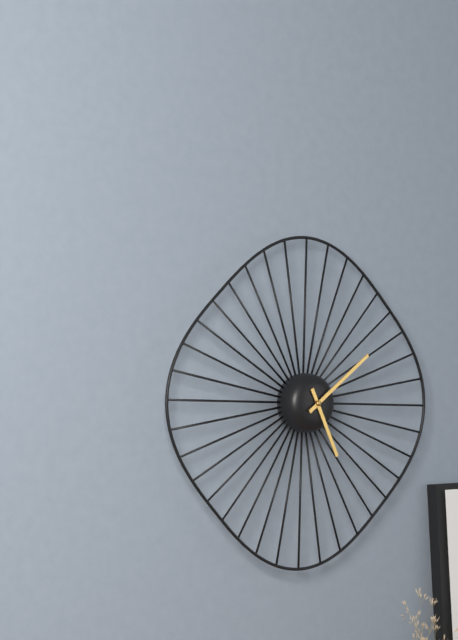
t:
5:09
